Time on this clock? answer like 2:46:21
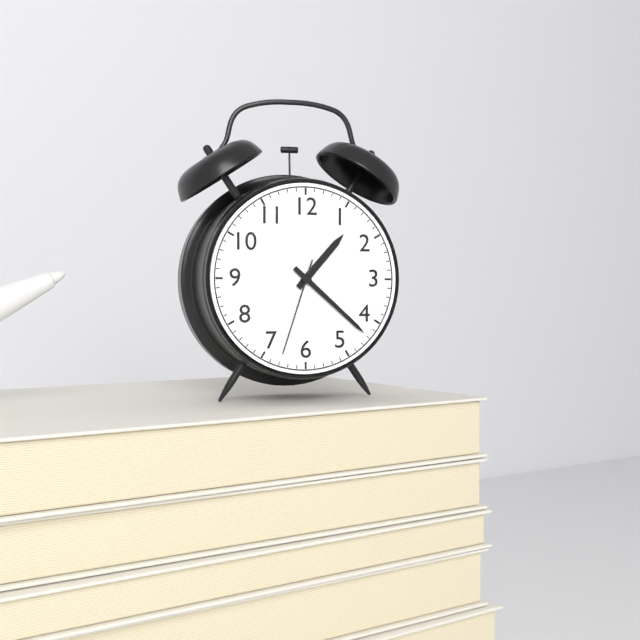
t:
1:22:33
